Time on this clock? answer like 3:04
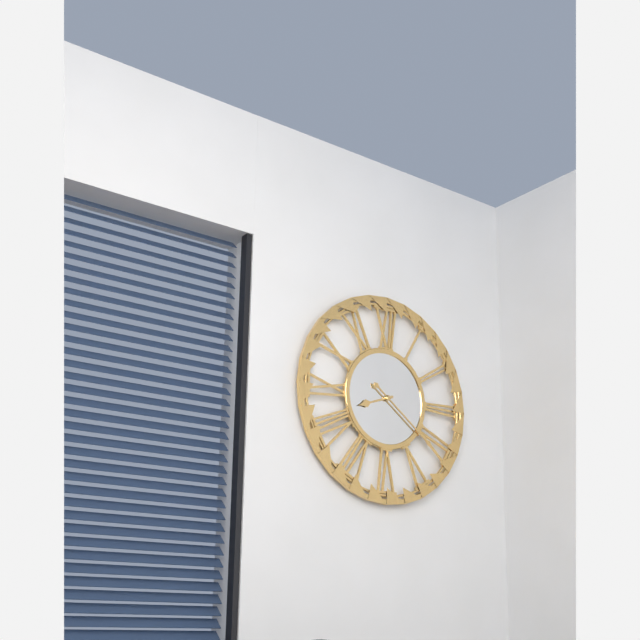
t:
8:21
